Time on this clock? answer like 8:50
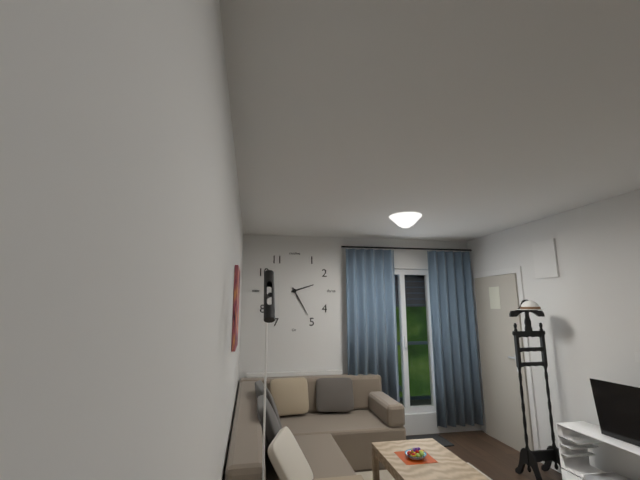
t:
2:25
